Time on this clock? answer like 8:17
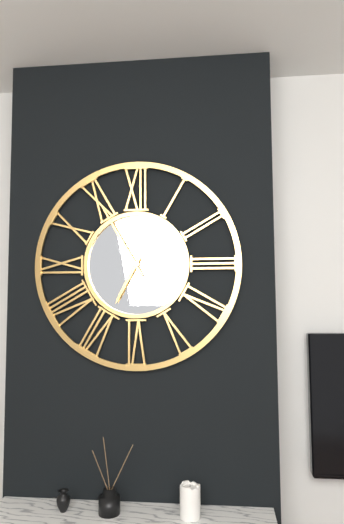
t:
6:55
